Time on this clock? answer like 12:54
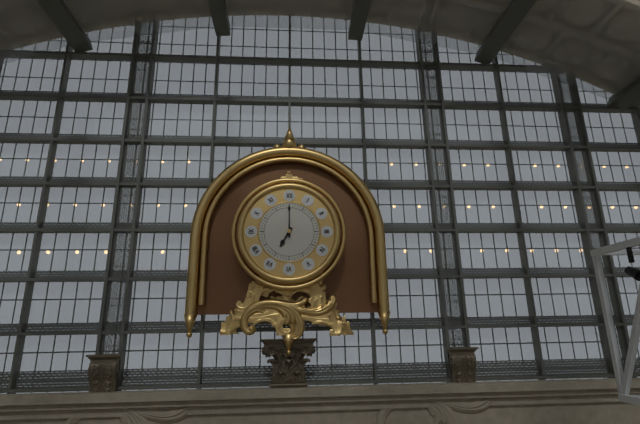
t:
7:00
